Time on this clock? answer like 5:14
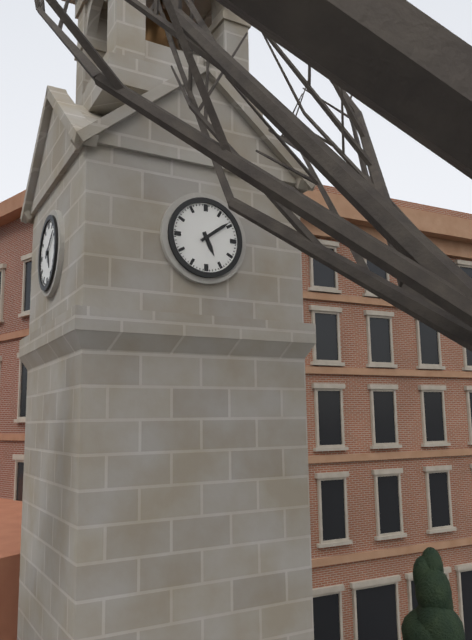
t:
5:09
